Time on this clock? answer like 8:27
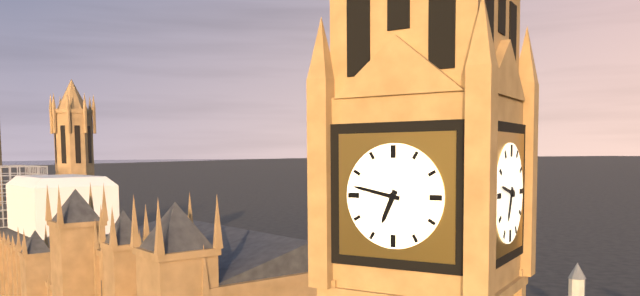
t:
6:47
